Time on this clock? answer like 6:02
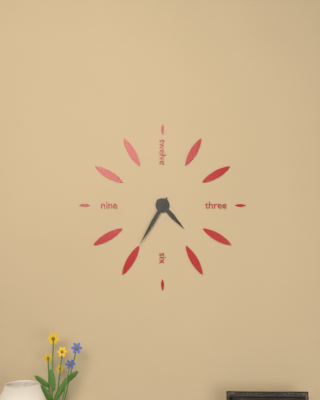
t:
4:35
